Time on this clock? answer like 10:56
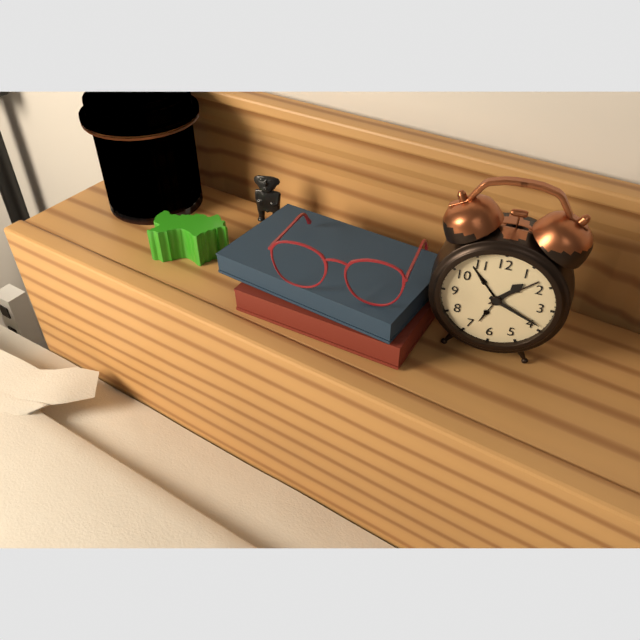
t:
1:19
